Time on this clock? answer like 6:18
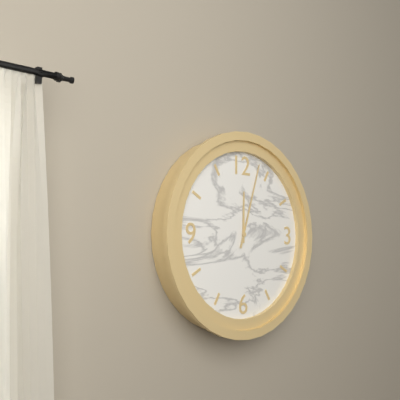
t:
12:03
